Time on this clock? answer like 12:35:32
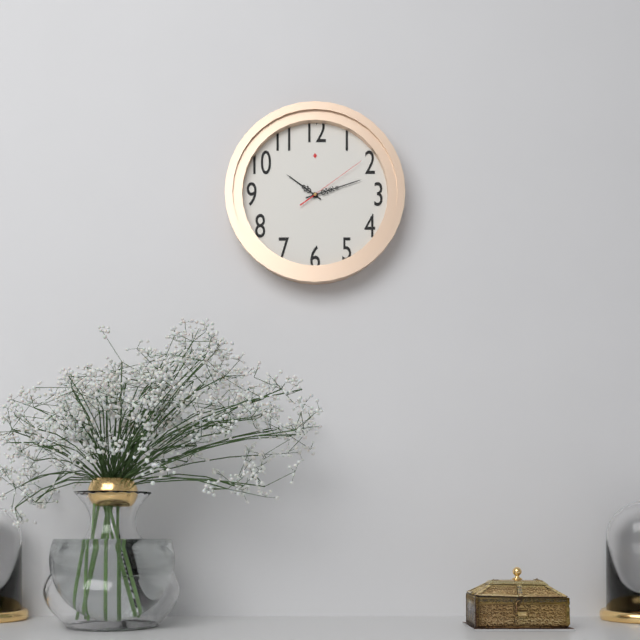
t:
10:12:09
